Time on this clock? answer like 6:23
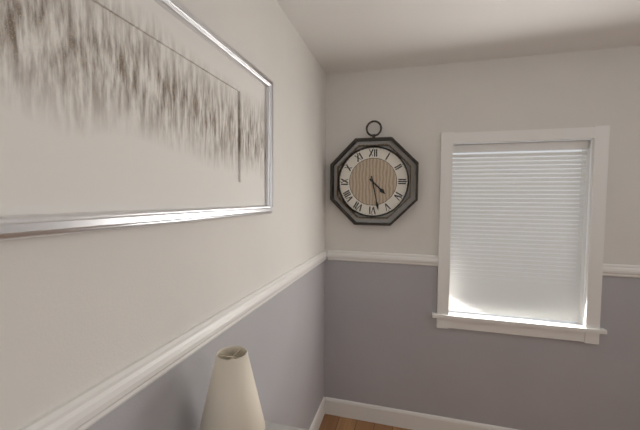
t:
4:28
